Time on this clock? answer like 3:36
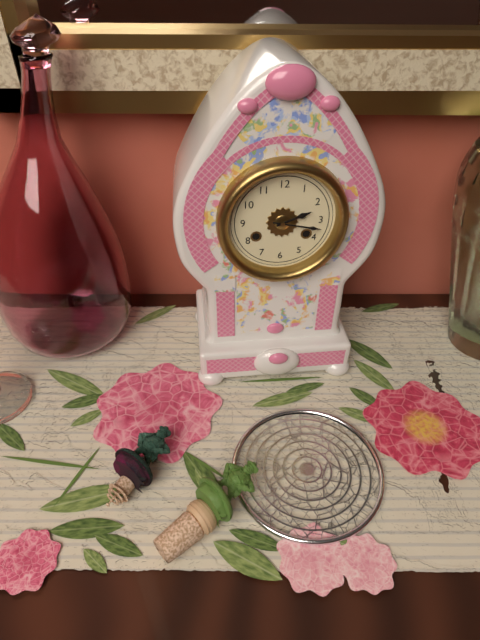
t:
2:17
